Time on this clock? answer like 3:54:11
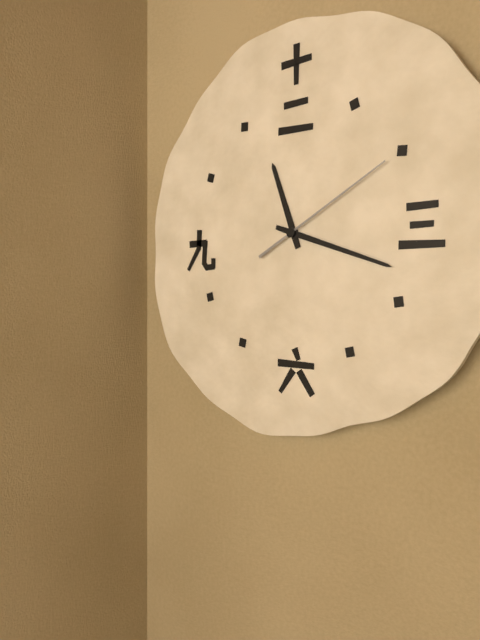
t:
11:18:10
